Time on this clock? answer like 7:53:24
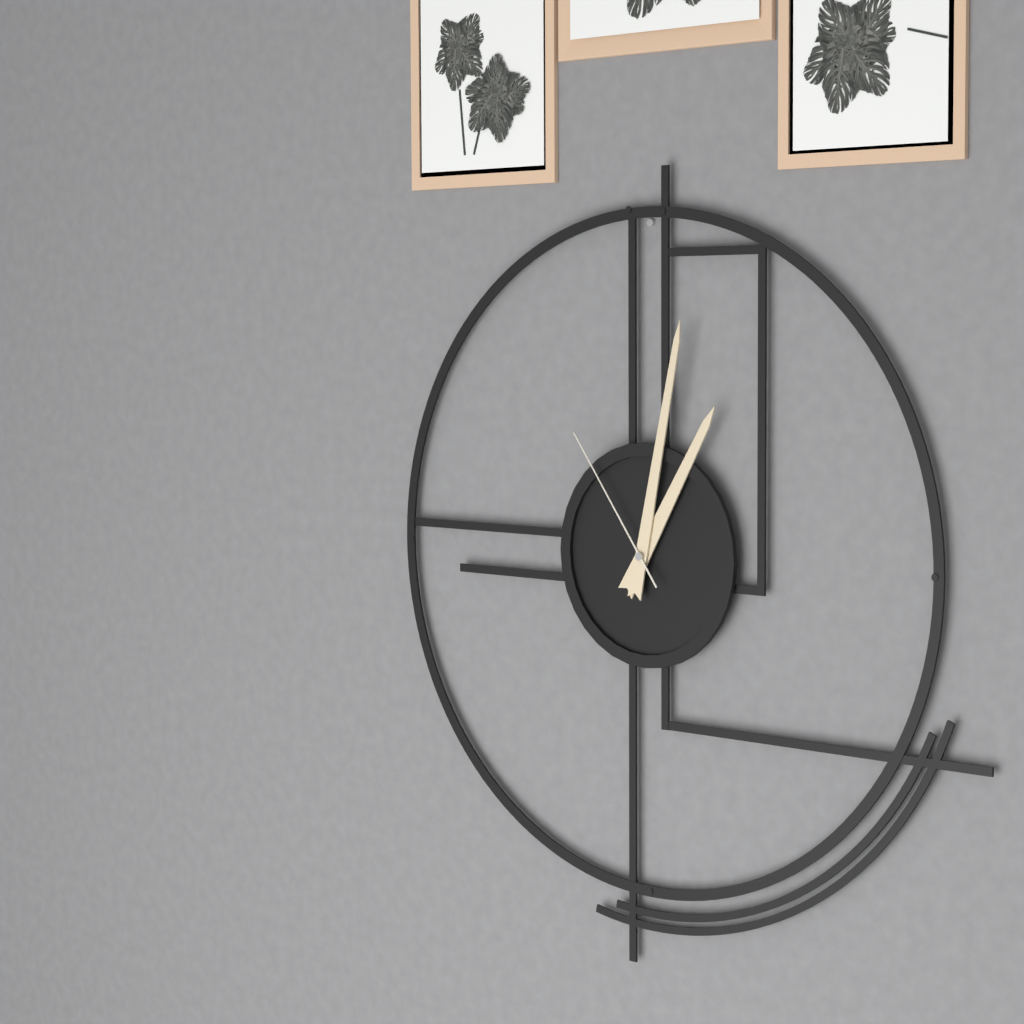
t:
1:02:54
